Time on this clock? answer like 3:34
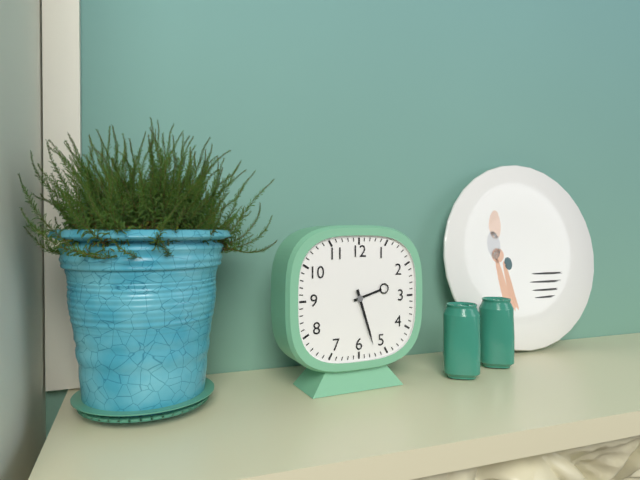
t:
2:27
